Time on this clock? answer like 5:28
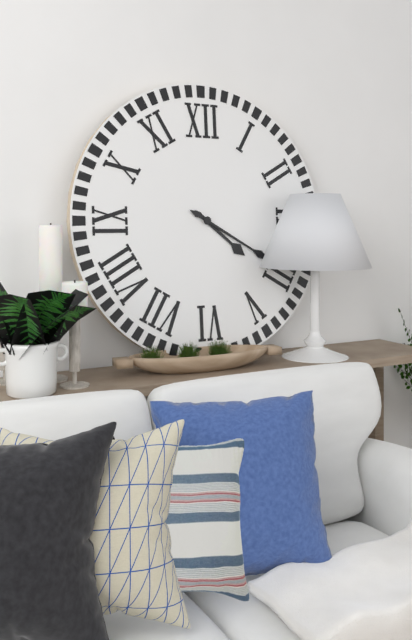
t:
4:20
